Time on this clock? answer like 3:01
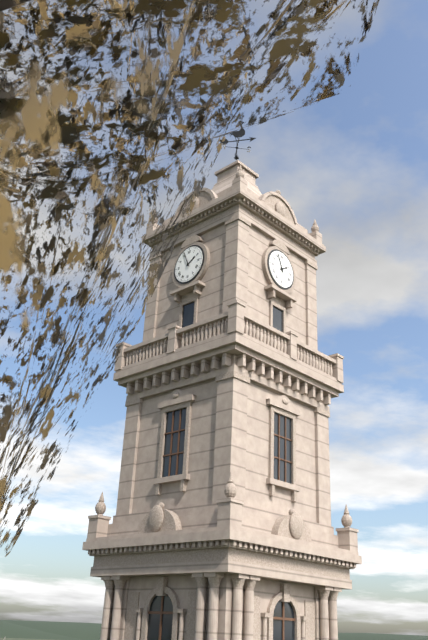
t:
1:56
